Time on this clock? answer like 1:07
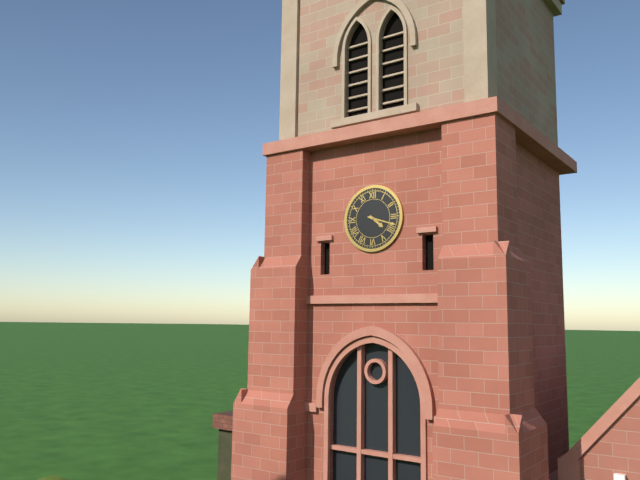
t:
4:18
